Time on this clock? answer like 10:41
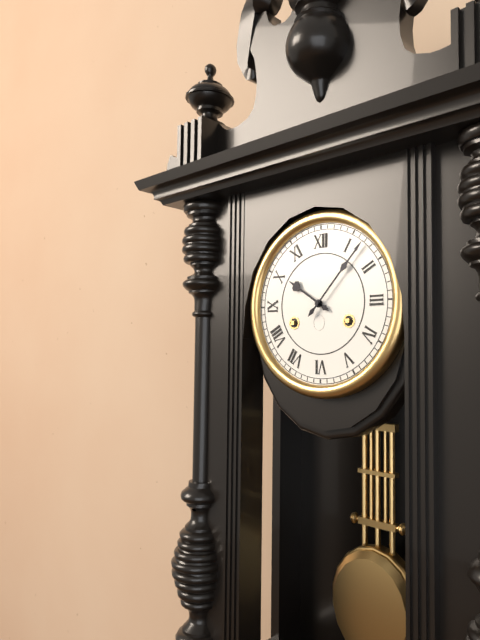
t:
10:07
